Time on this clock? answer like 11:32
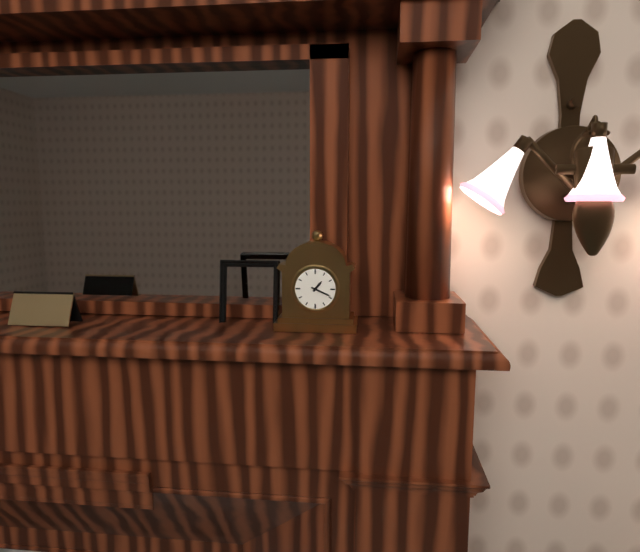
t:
1:19
